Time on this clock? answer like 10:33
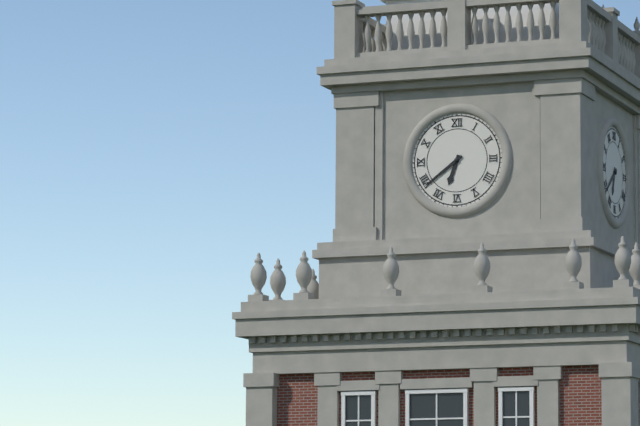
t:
6:39
